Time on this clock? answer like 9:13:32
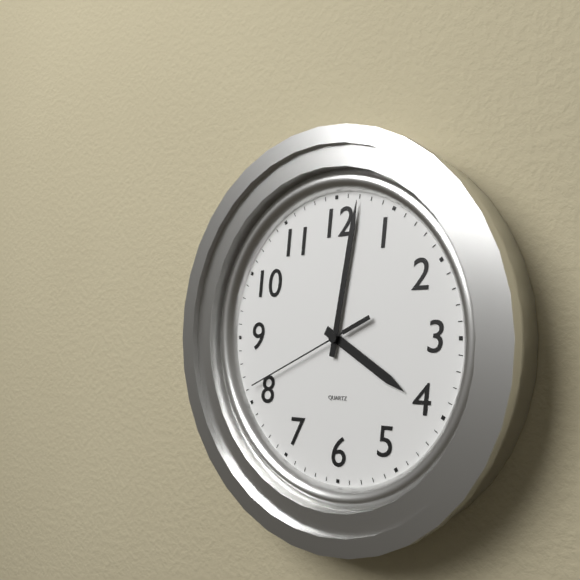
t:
4:02:41
